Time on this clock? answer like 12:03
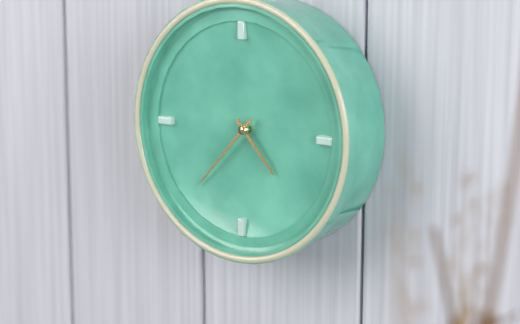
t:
4:37
